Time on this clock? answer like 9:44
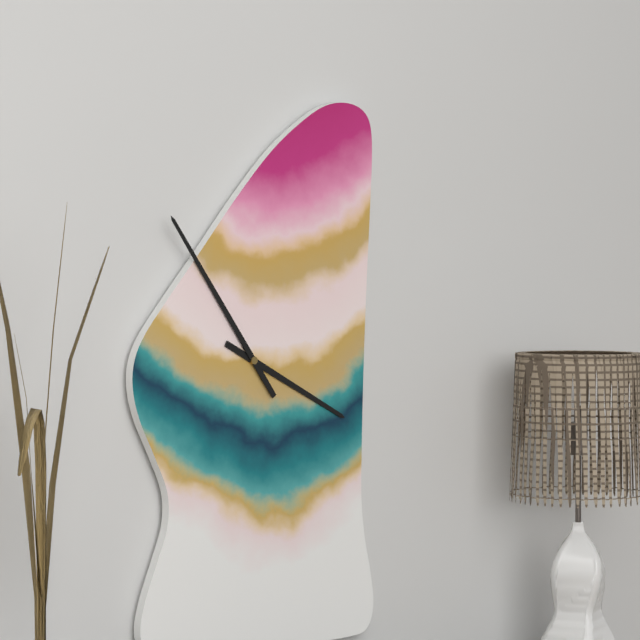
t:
3:54
